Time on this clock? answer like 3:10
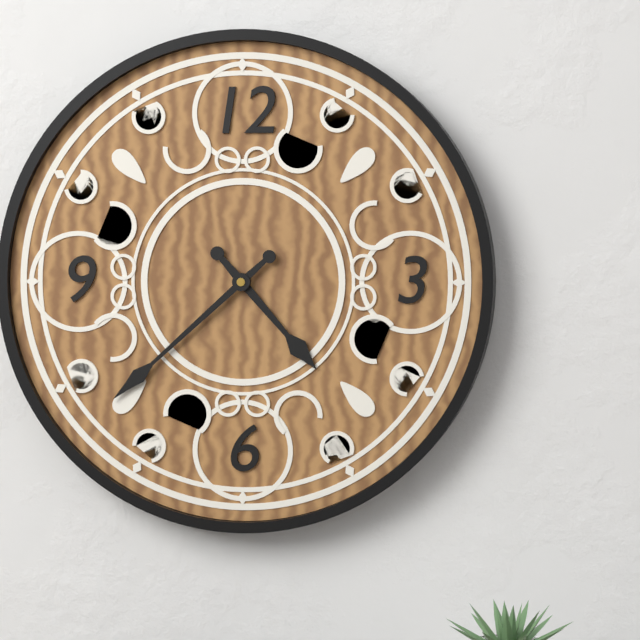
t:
4:38
